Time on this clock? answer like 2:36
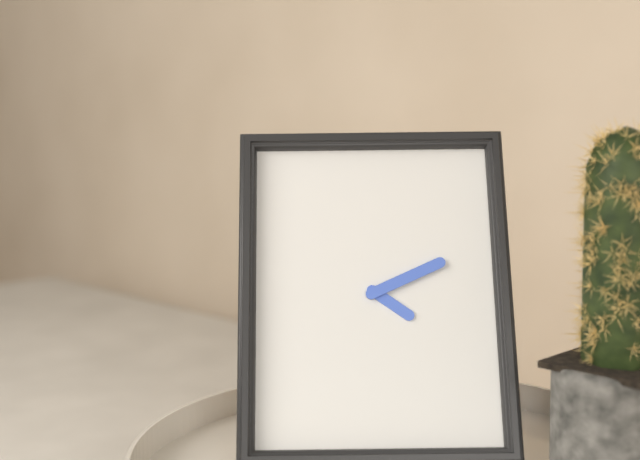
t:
4:11
